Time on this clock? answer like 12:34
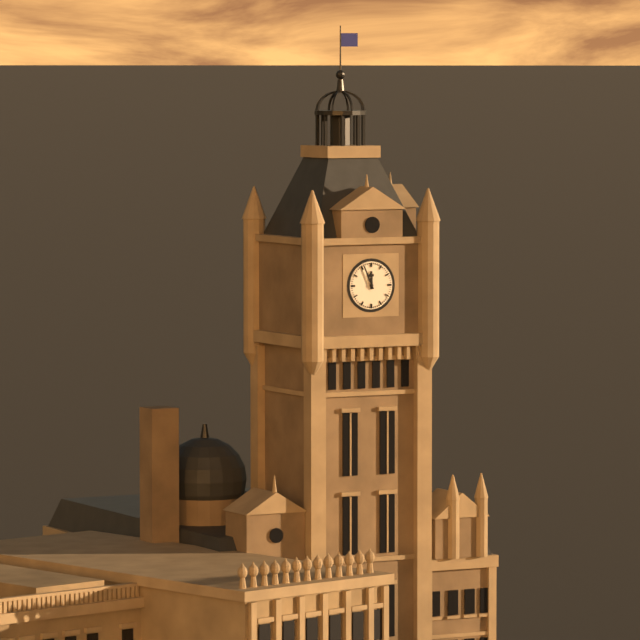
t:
11:56
